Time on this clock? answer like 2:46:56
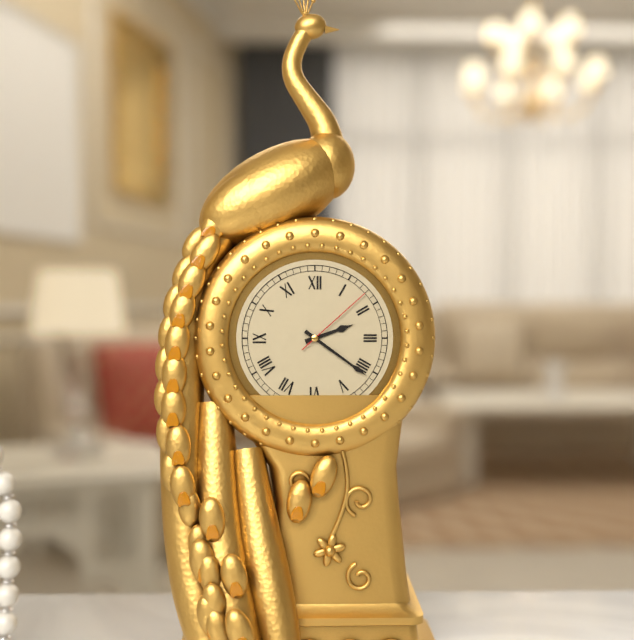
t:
2:21:08
